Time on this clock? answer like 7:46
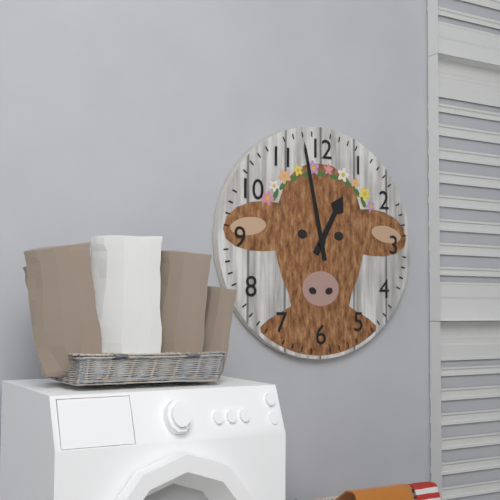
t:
12:58
